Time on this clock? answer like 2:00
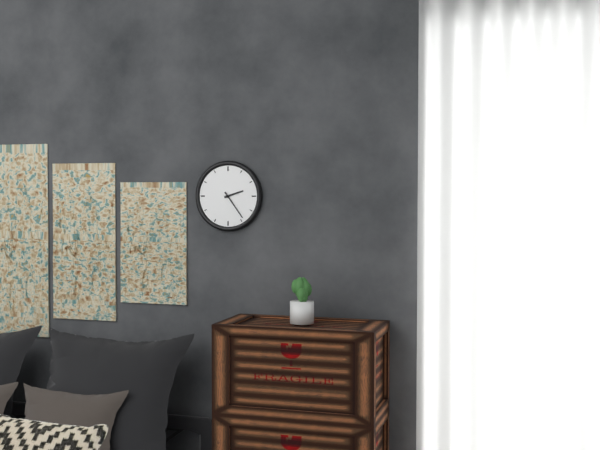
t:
2:24
